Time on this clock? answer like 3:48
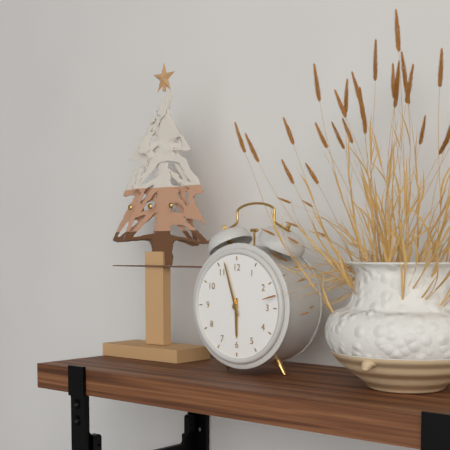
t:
5:57
